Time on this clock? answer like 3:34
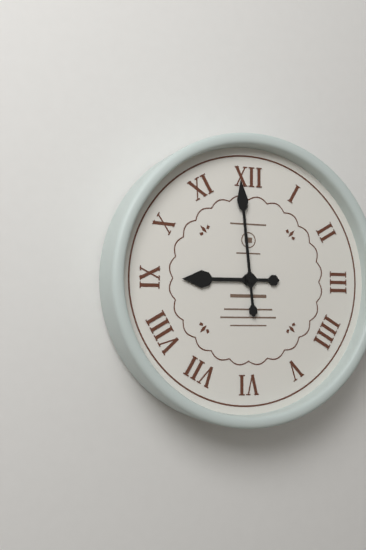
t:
8:59
